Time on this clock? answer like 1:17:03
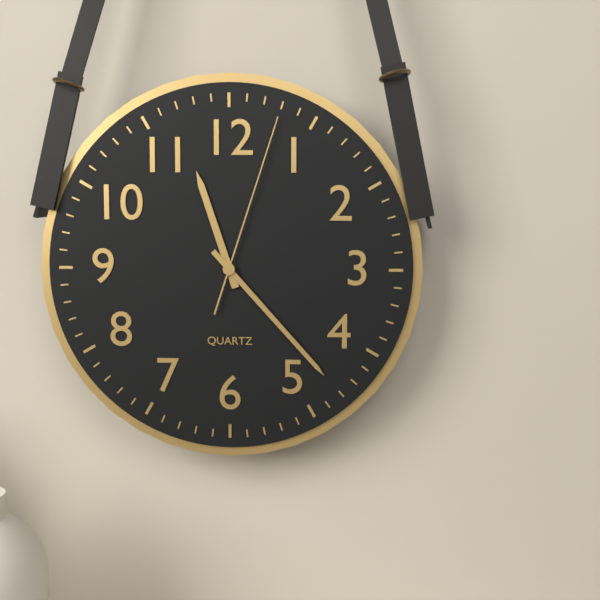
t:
11:23:03
